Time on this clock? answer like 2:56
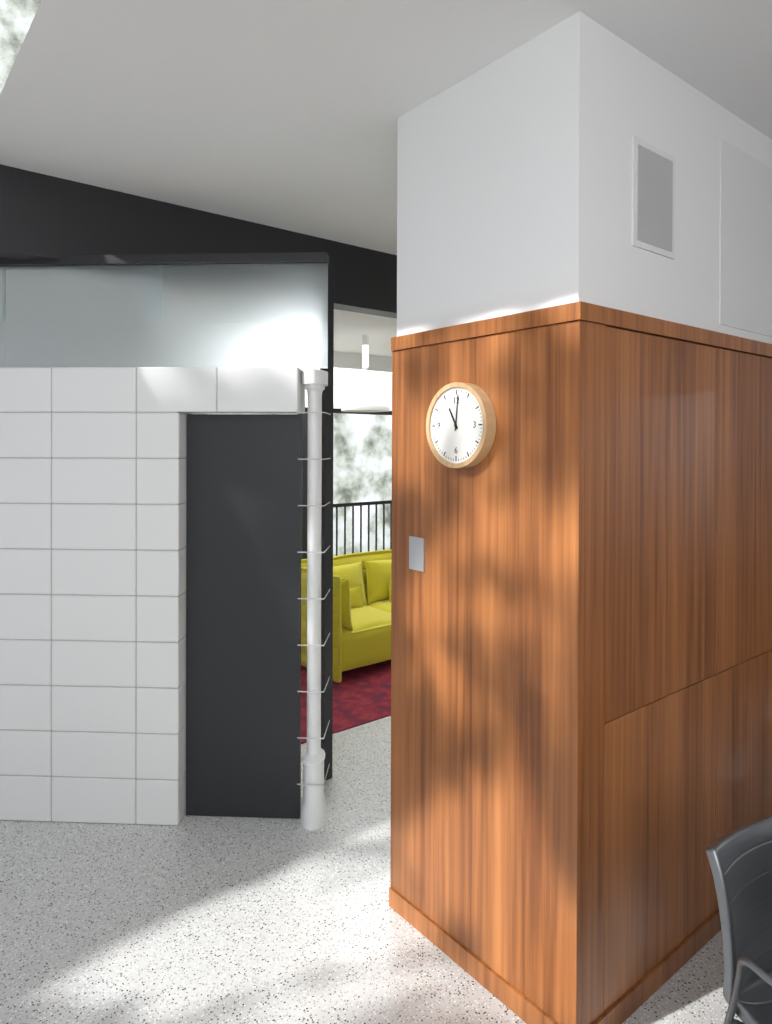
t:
11:01
